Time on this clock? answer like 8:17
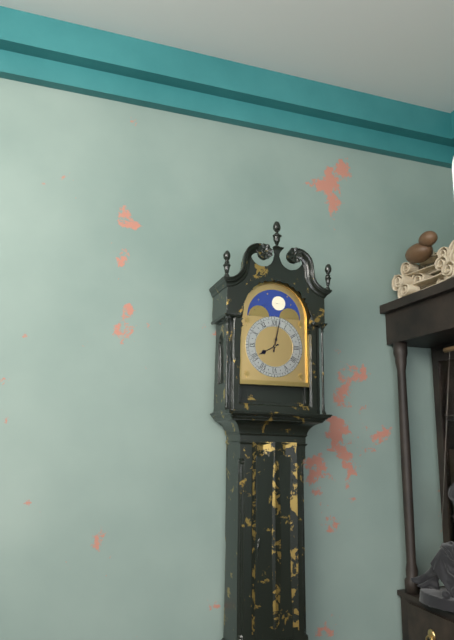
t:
8:02
